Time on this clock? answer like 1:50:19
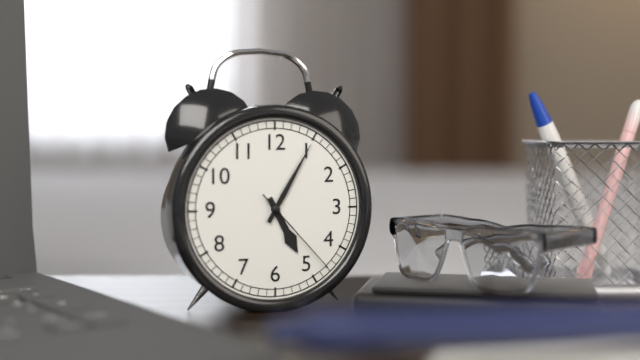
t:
5:05:23
